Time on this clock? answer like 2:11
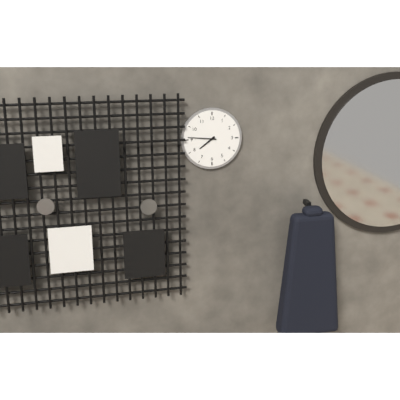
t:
7:46
